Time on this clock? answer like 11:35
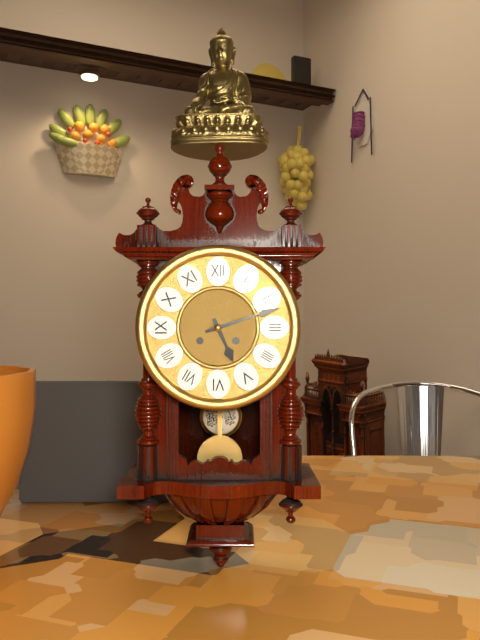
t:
5:12
